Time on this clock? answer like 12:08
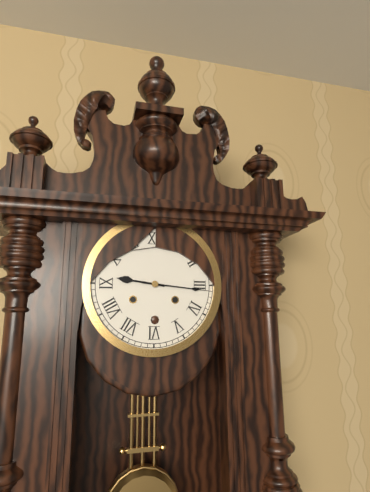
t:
9:16
